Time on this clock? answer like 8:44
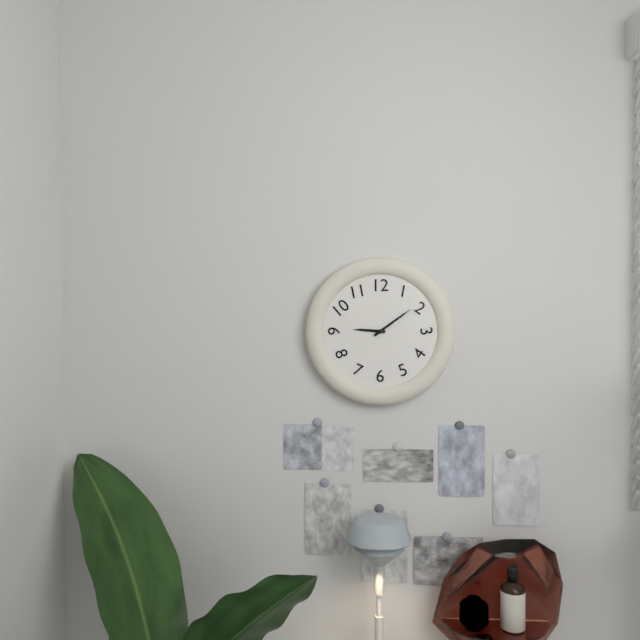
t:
9:09
